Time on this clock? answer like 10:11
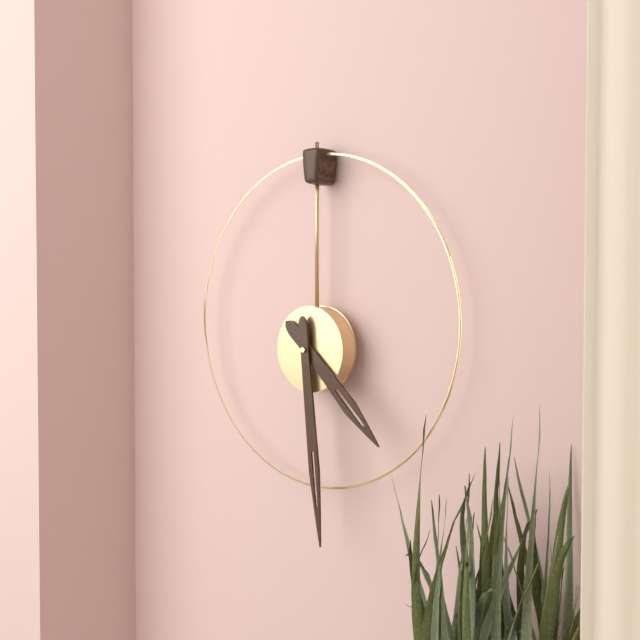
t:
4:29
